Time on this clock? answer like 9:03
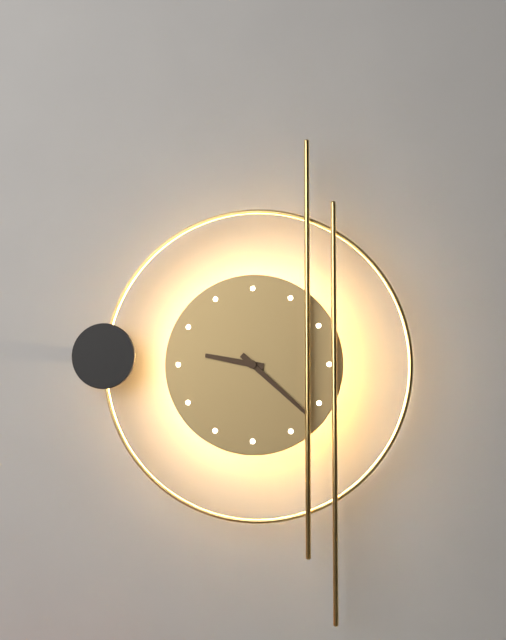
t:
9:22
